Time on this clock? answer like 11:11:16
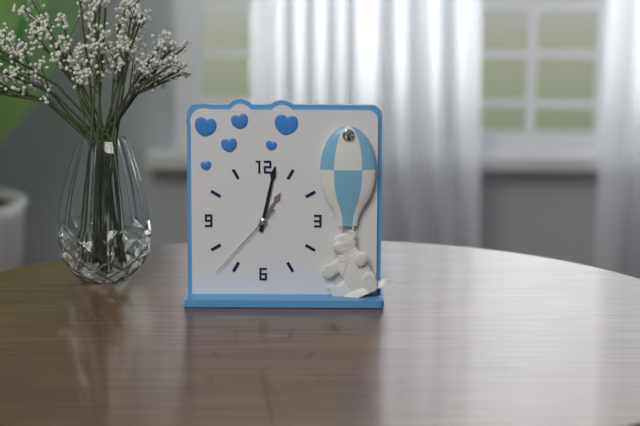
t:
1:02:37
